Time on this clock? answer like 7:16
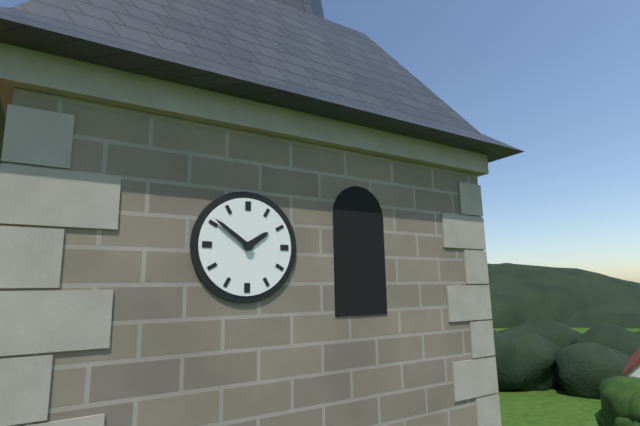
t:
1:51
